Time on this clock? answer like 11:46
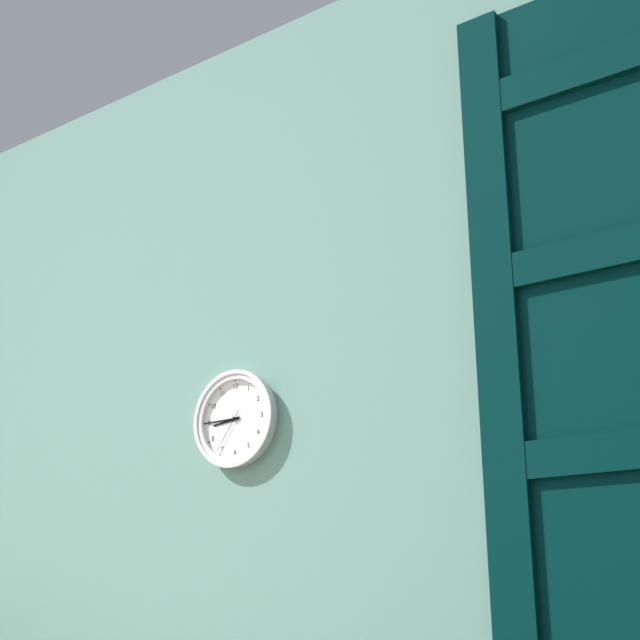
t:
8:45
